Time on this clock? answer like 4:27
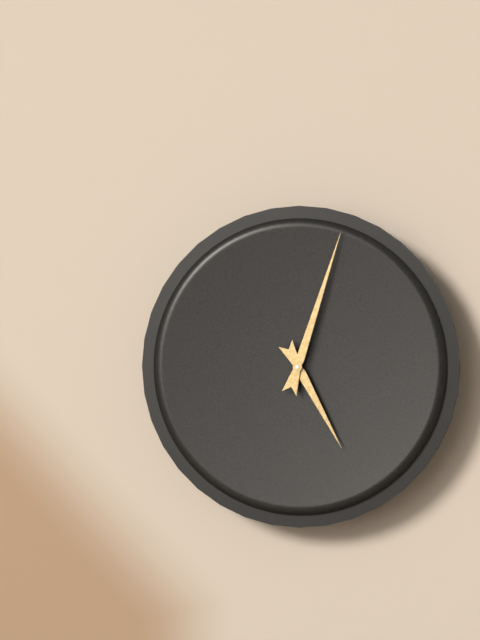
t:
5:03
